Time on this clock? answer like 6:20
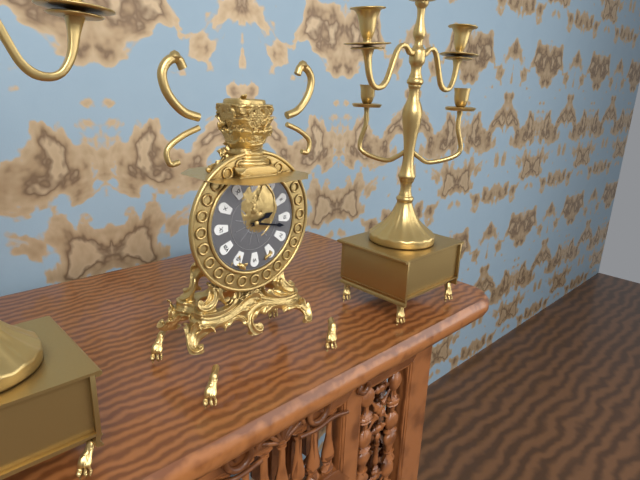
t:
2:17
